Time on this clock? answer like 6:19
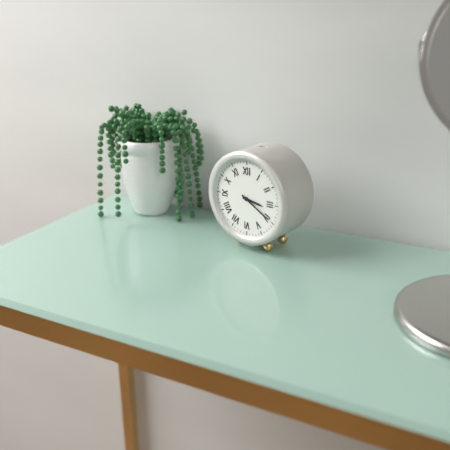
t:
3:20
